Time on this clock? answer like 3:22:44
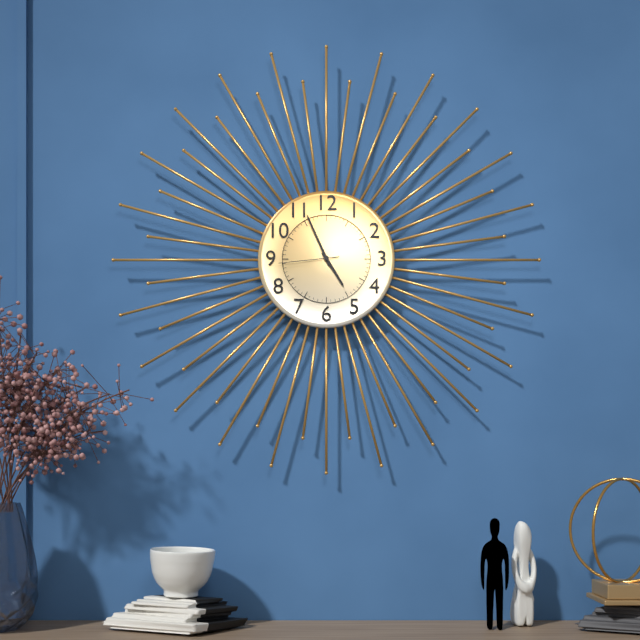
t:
4:56:44
